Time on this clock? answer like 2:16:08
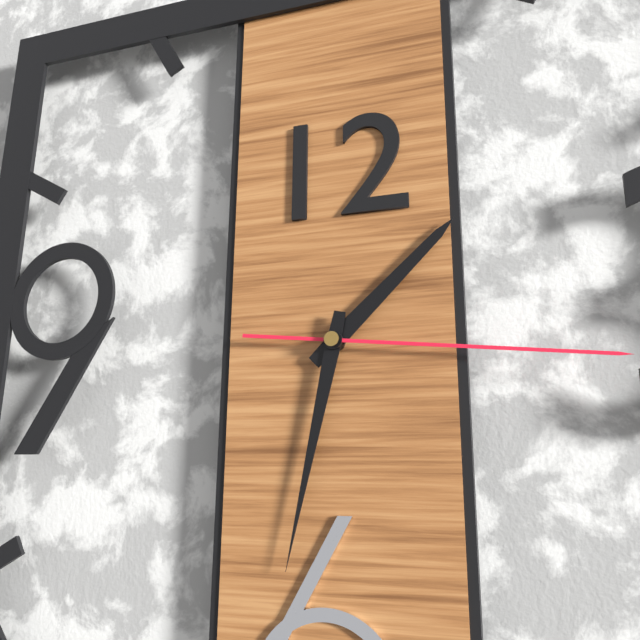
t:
1:32:16
